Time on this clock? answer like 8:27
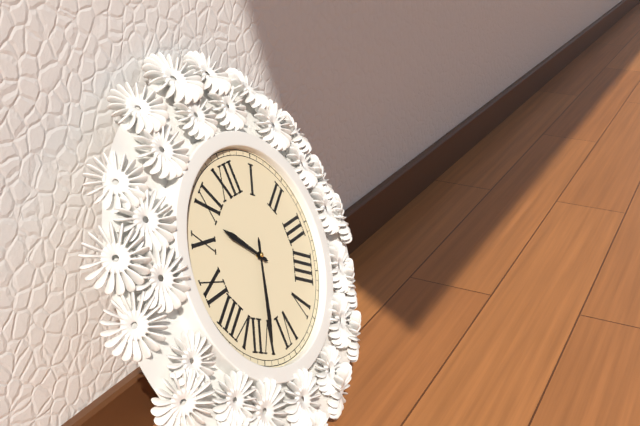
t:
10:34
